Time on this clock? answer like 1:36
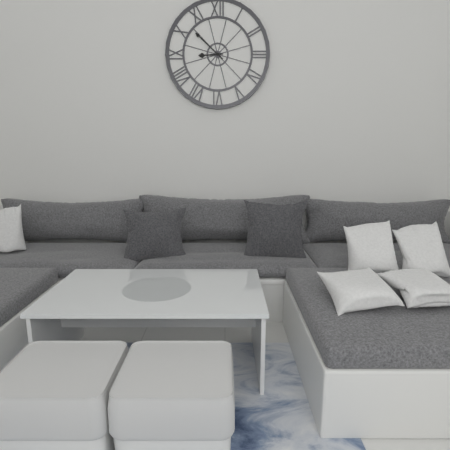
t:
8:52
